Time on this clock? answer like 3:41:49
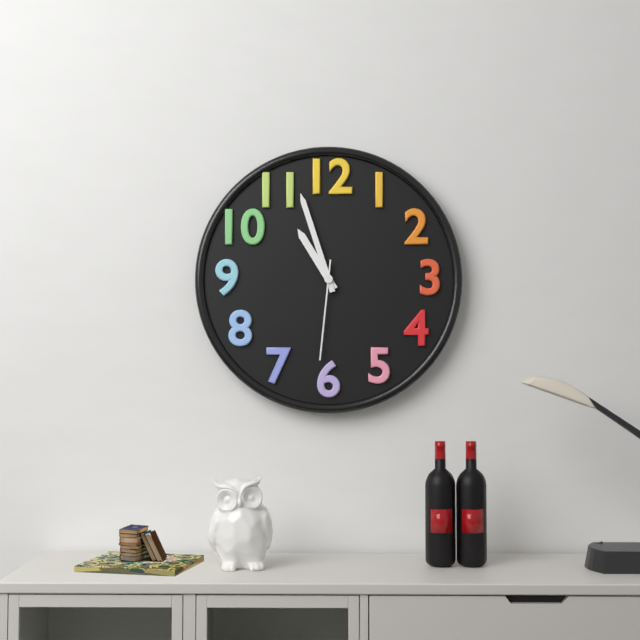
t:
10:57:31
